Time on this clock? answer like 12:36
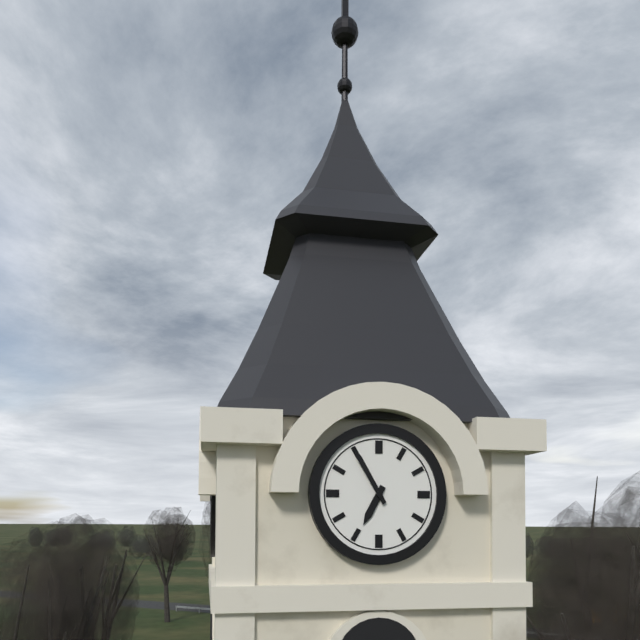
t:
6:55
